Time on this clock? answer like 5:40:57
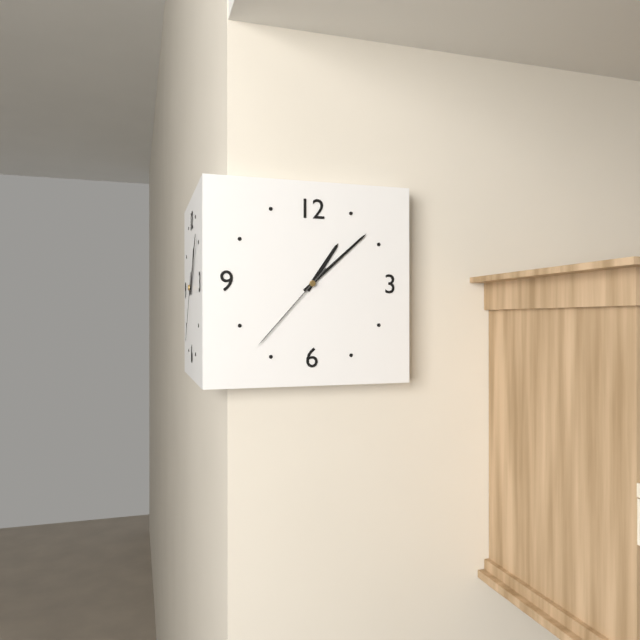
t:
1:08:37
